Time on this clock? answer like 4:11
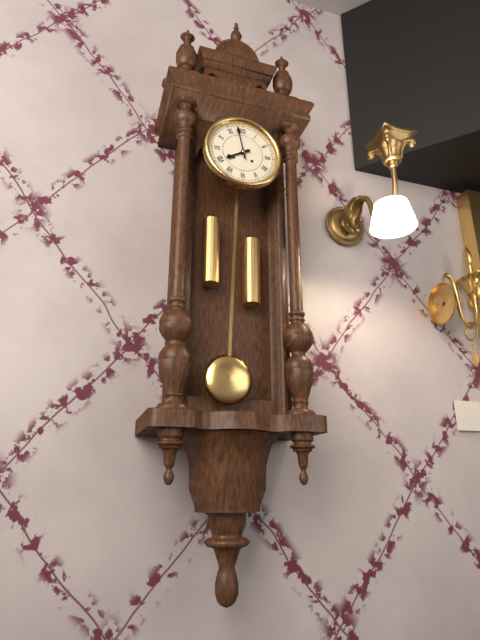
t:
7:58
